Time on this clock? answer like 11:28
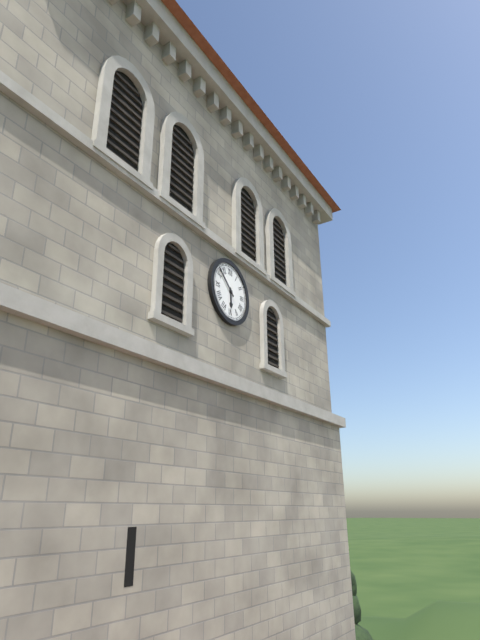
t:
5:52
